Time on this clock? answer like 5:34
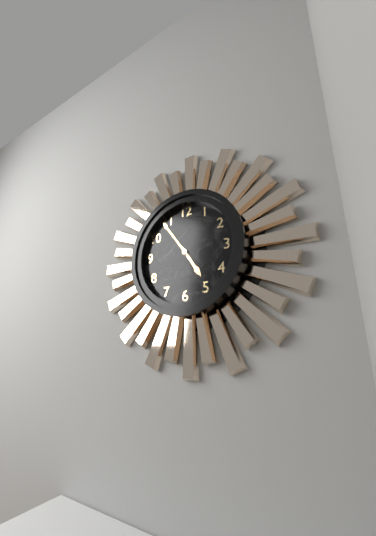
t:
4:54
